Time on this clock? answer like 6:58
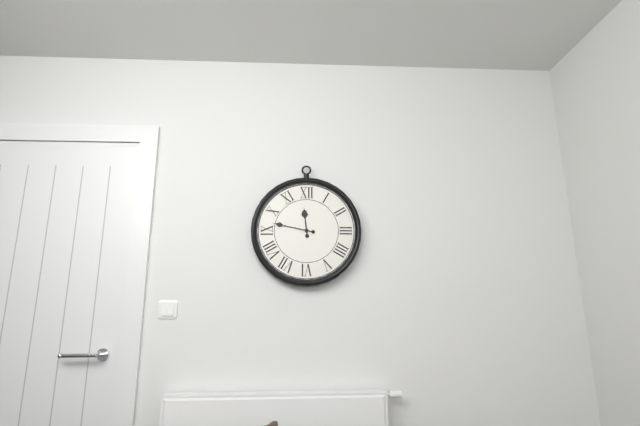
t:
11:47
